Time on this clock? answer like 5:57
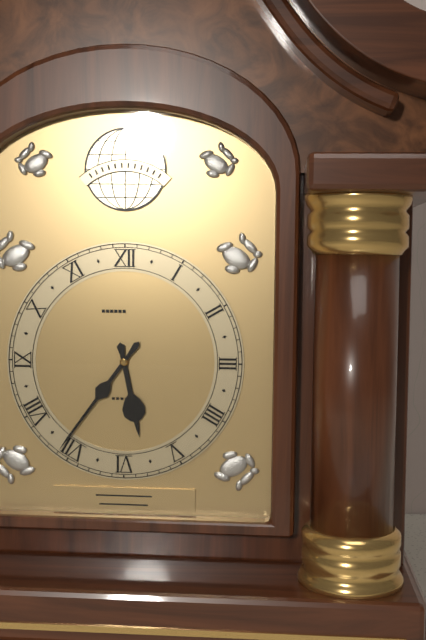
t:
5:36
